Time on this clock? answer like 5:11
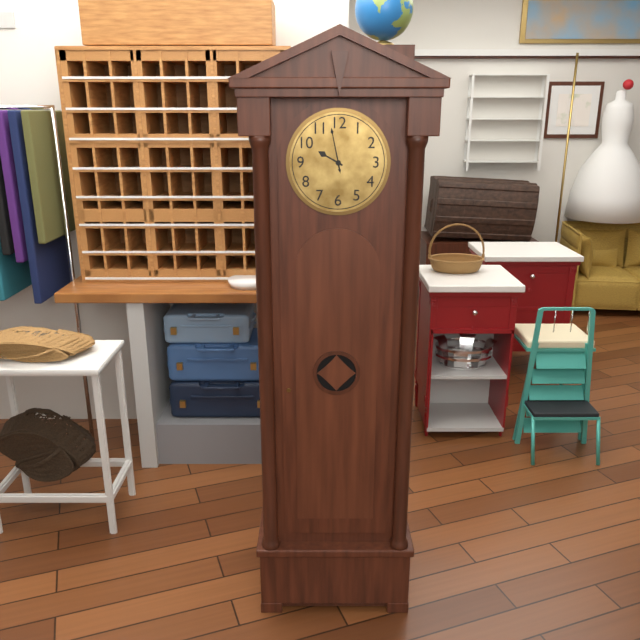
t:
9:58
